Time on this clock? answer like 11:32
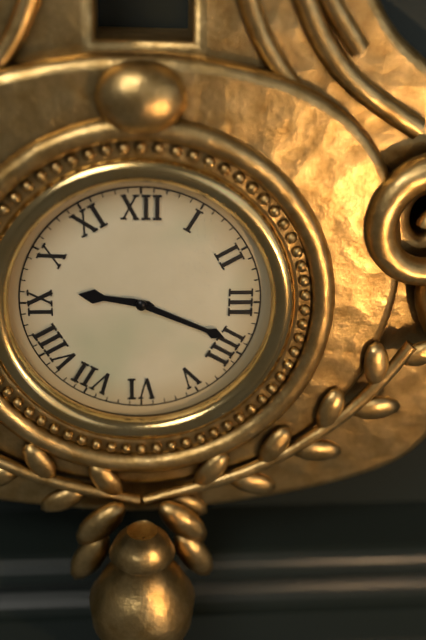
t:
9:19
